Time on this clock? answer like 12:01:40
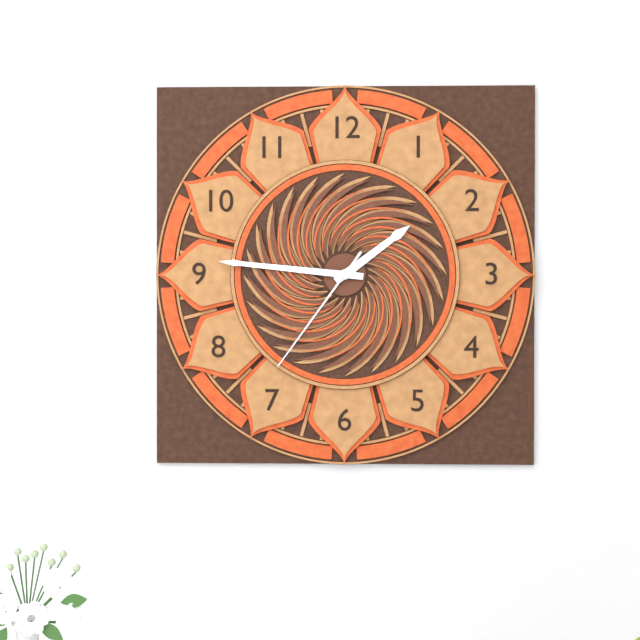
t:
1:46:36
